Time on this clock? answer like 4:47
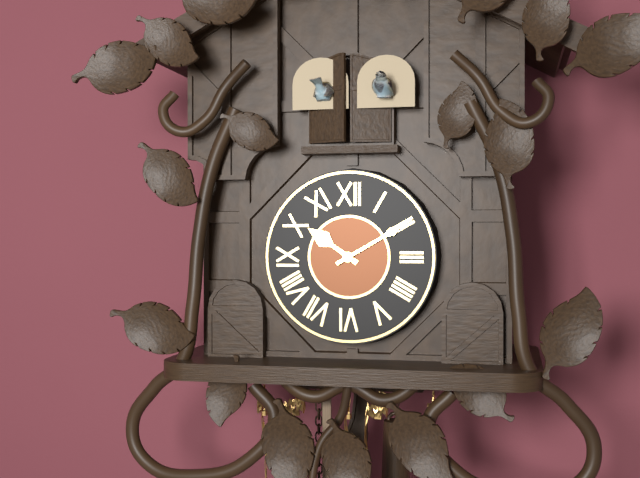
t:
10:10
